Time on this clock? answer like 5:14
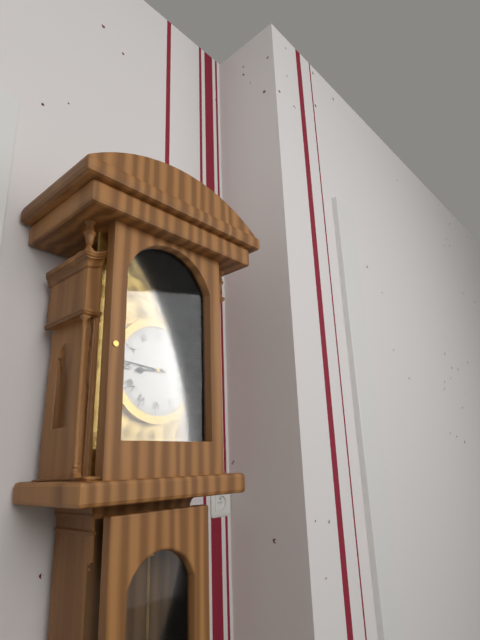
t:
8:46
